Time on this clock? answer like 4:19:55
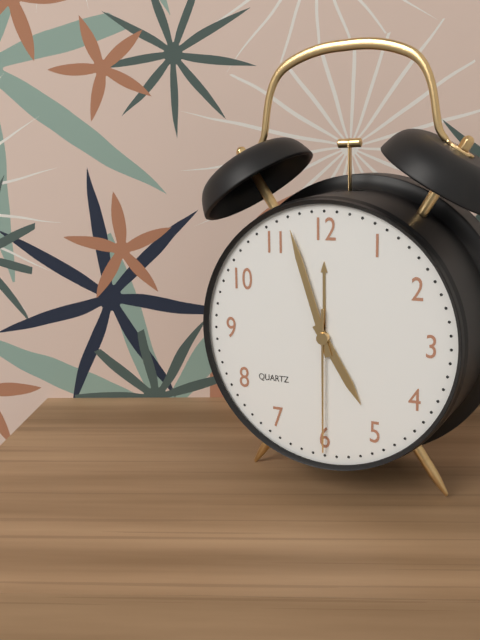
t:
4:57:30
